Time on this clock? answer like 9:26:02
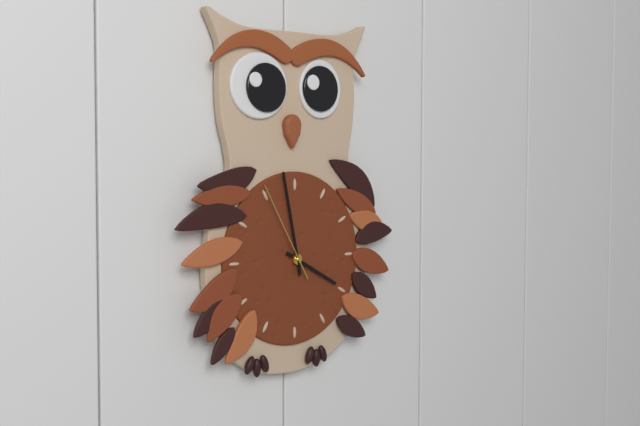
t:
3:58:55
